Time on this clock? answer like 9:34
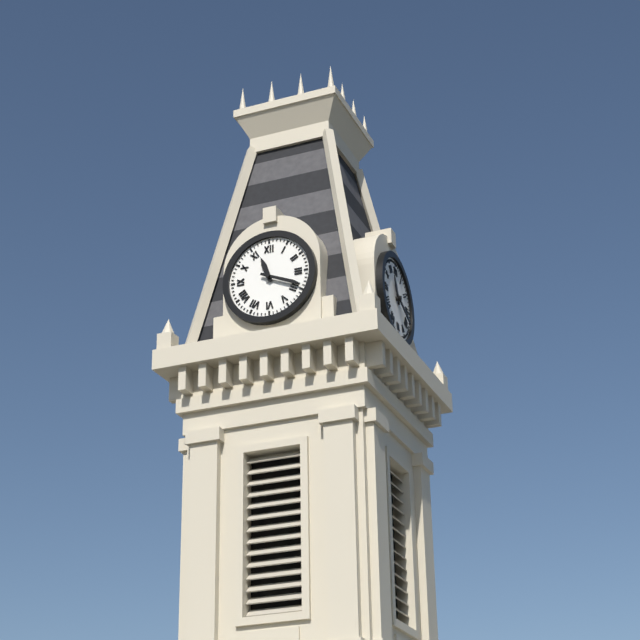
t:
11:19
